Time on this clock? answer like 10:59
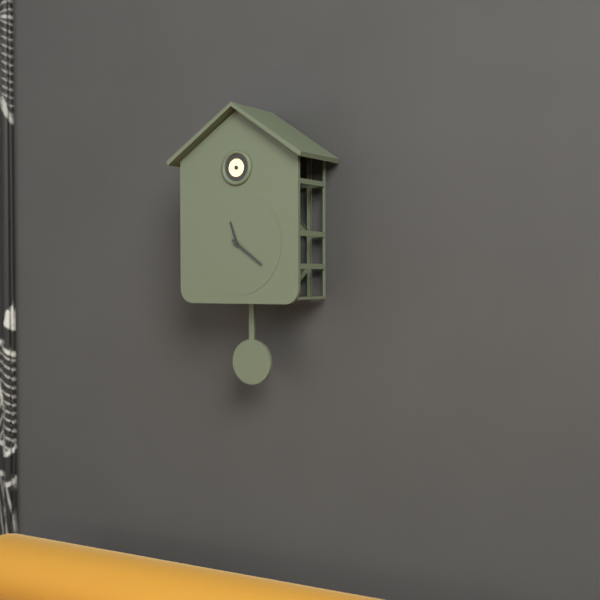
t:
11:21
